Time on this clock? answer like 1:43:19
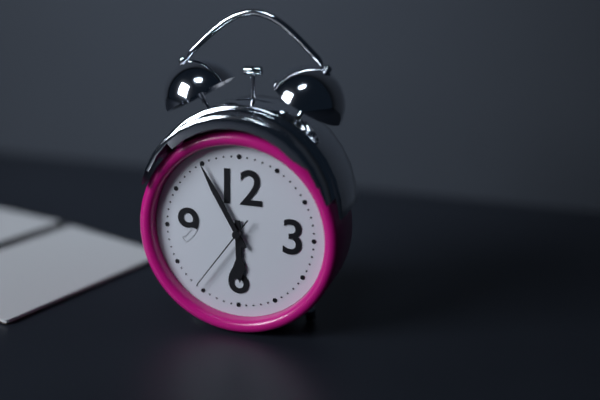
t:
5:55:36
